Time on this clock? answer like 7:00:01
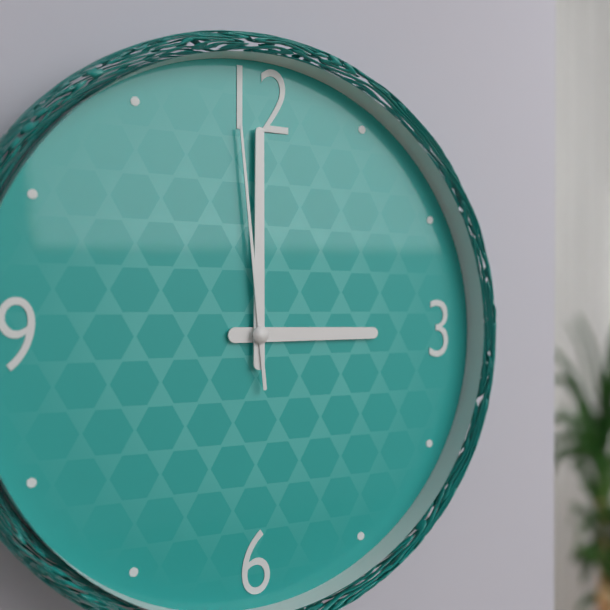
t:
3:00:59
